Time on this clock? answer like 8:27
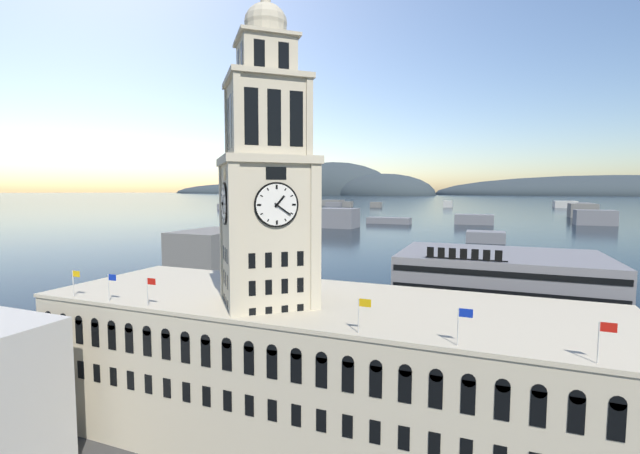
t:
1:21
